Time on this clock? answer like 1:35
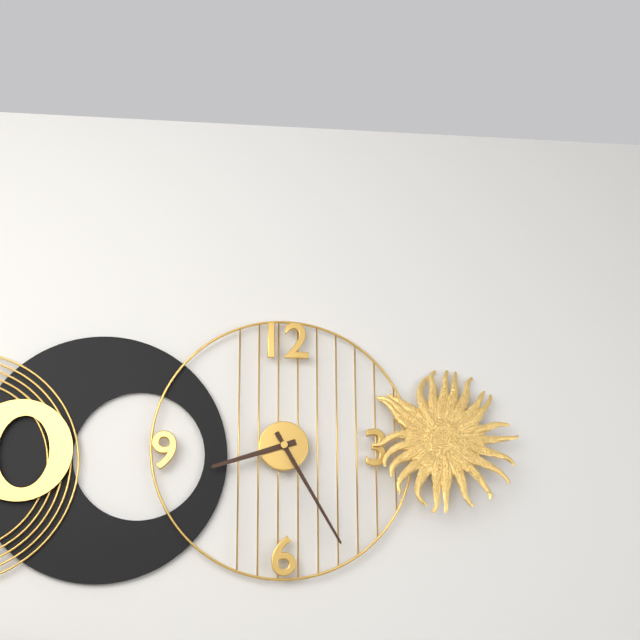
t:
8:25
